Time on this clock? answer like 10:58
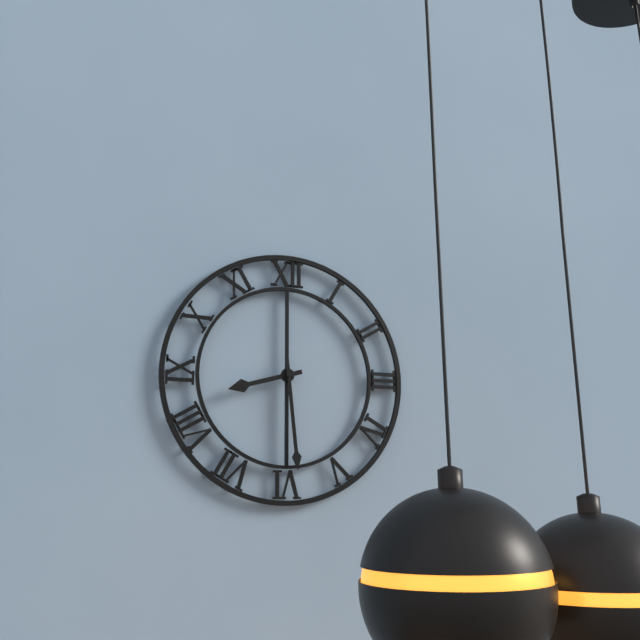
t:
8:29
